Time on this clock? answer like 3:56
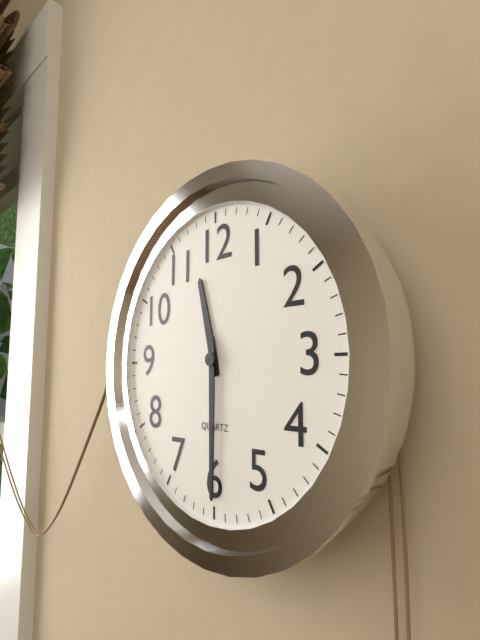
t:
11:30
